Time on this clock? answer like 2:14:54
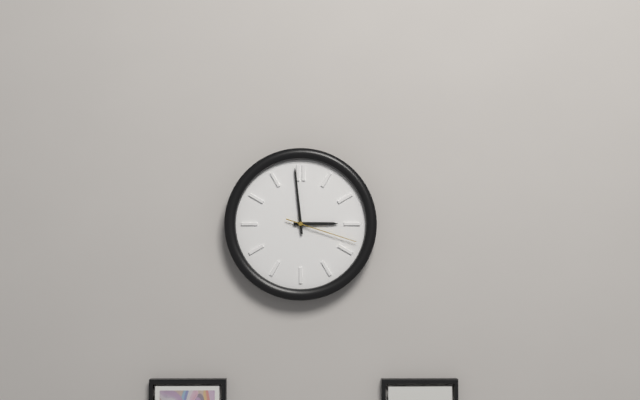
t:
2:59:18
